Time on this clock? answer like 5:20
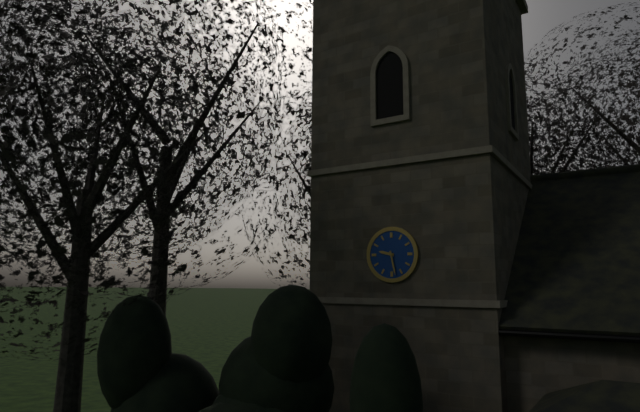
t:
9:28
